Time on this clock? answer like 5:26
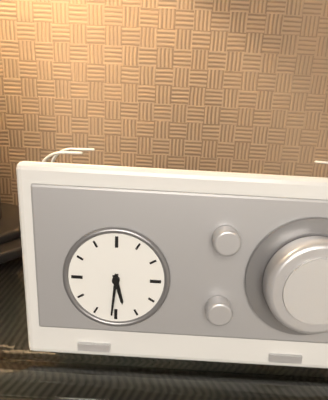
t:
5:31
